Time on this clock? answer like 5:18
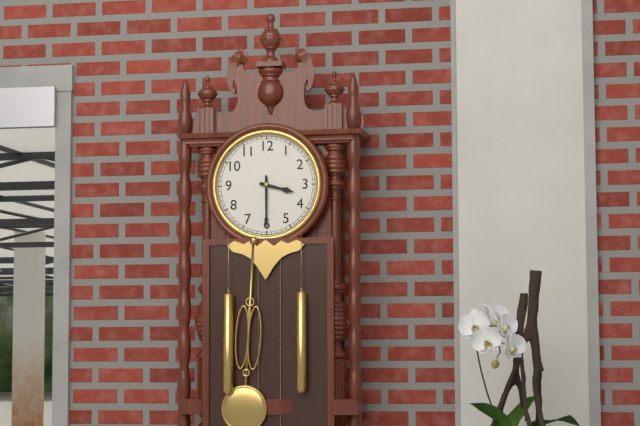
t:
3:30
